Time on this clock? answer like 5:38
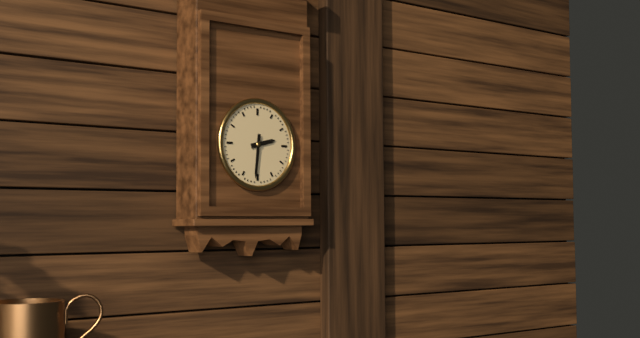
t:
2:31
